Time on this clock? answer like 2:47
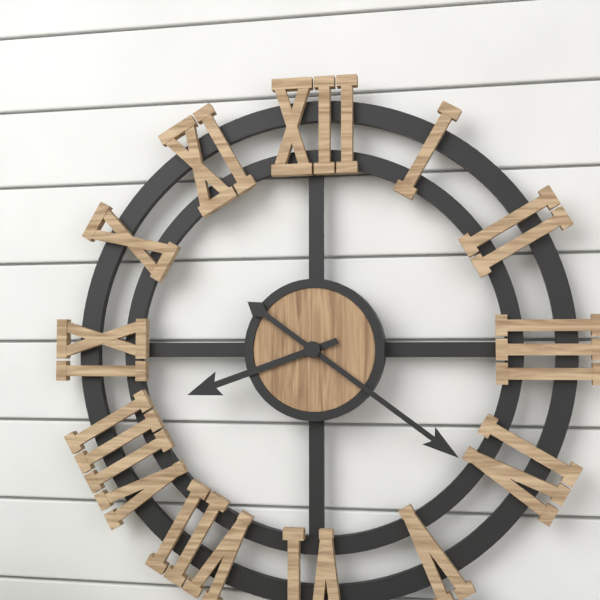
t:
8:21
